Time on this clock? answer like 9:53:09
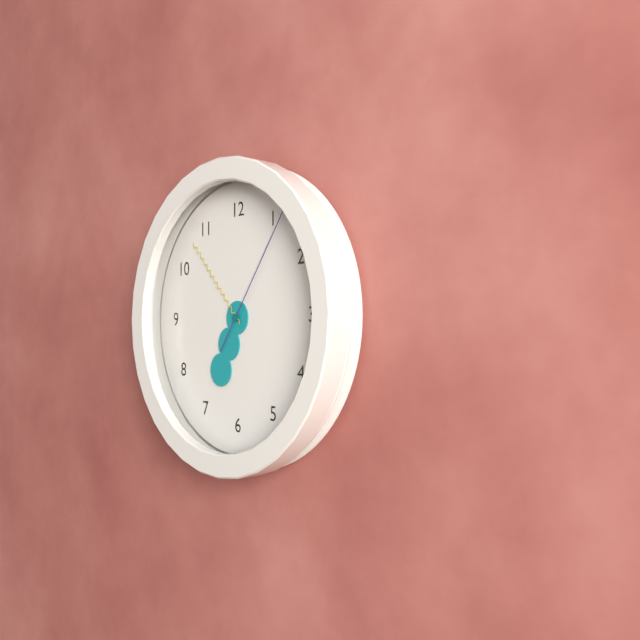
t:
6:53:06
